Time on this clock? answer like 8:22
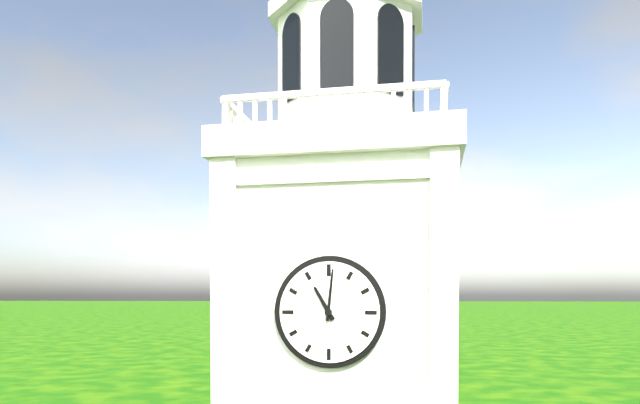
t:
11:01
